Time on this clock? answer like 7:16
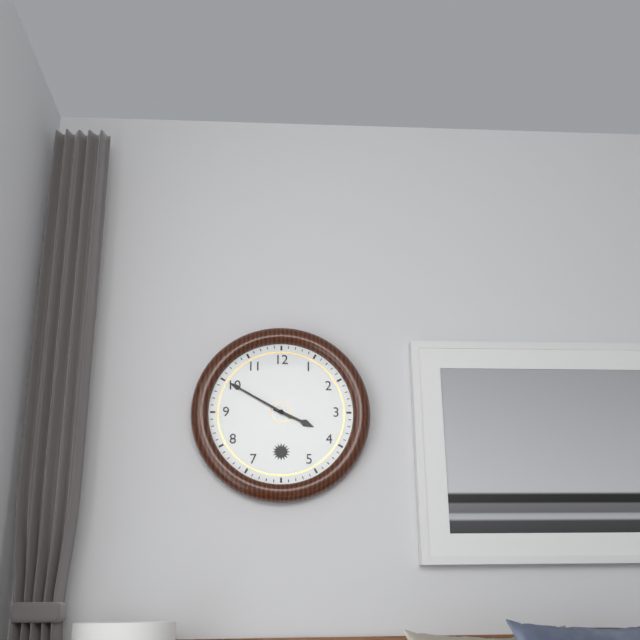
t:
3:50
